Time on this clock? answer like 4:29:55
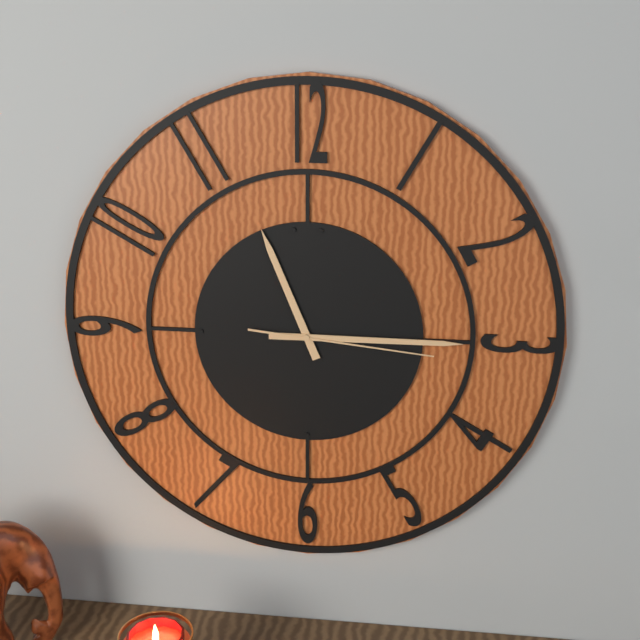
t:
11:15:16
